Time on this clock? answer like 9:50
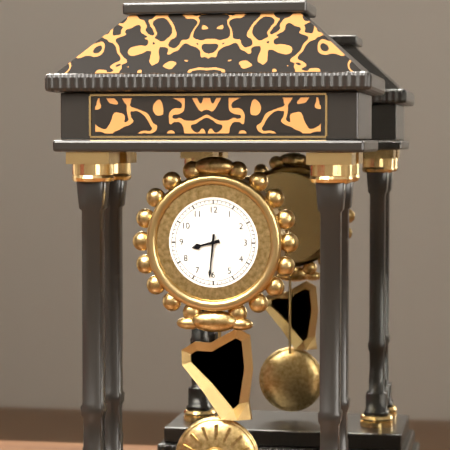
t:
8:31
